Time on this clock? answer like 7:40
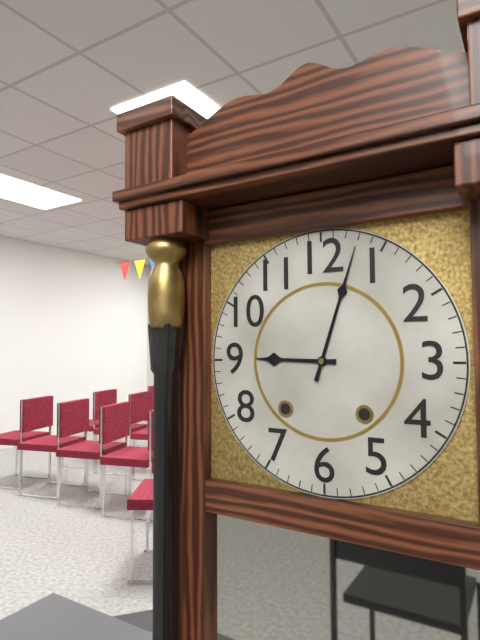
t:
9:03
